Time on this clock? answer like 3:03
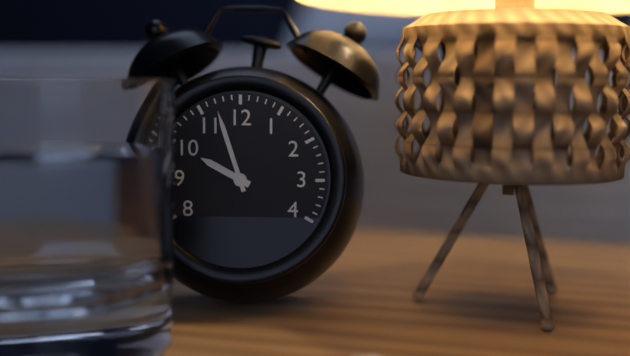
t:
9:57
